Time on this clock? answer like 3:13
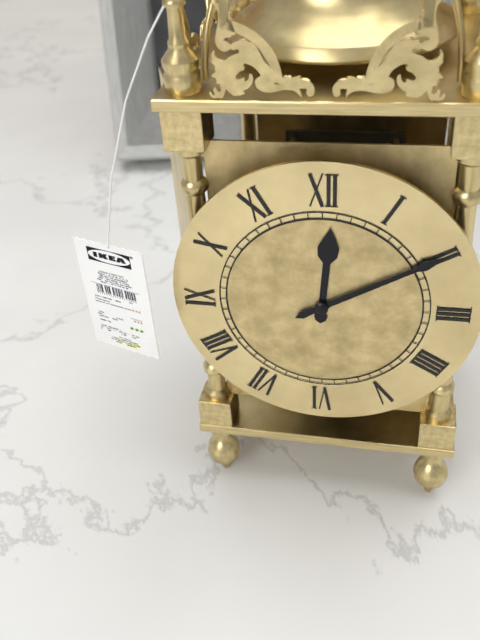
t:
12:10
